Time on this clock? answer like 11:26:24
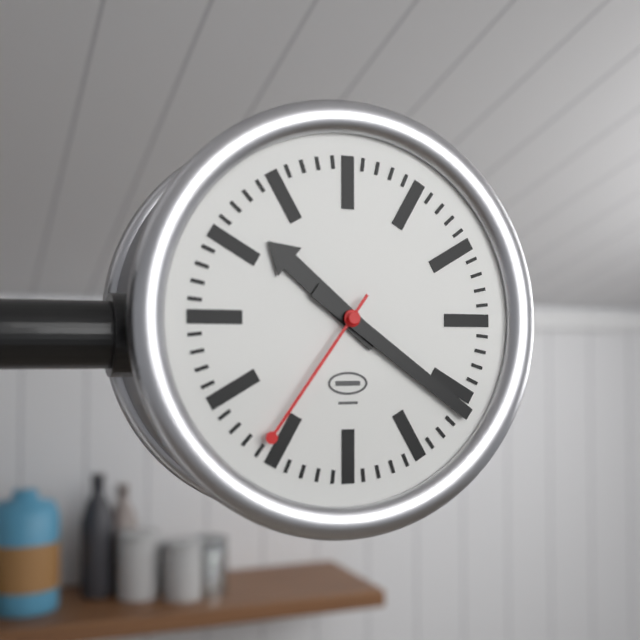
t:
10:21:36
